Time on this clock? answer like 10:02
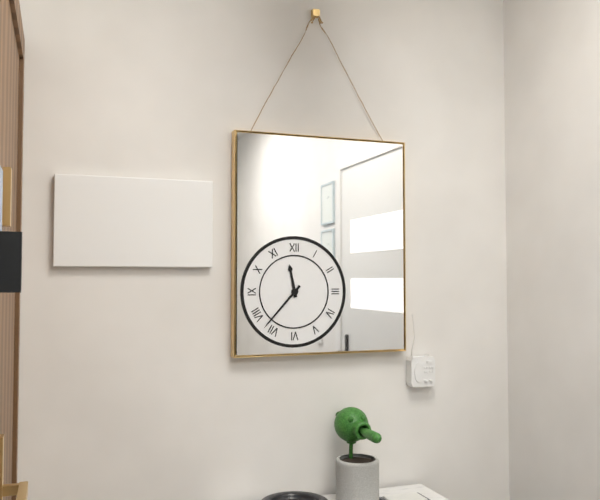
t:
11:37
